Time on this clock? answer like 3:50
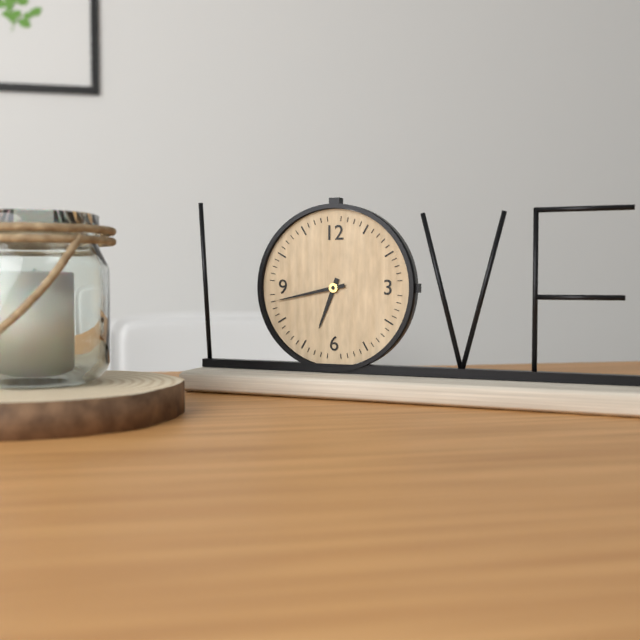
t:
6:43
